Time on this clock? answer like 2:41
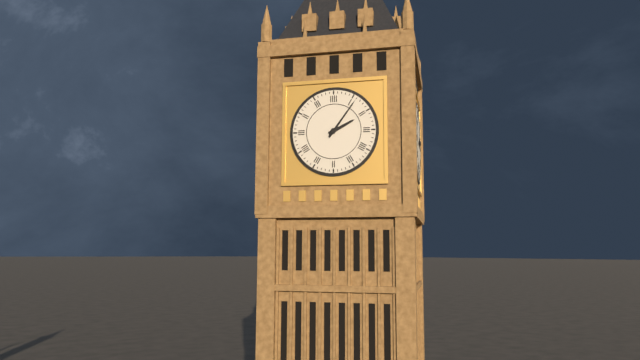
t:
2:06
